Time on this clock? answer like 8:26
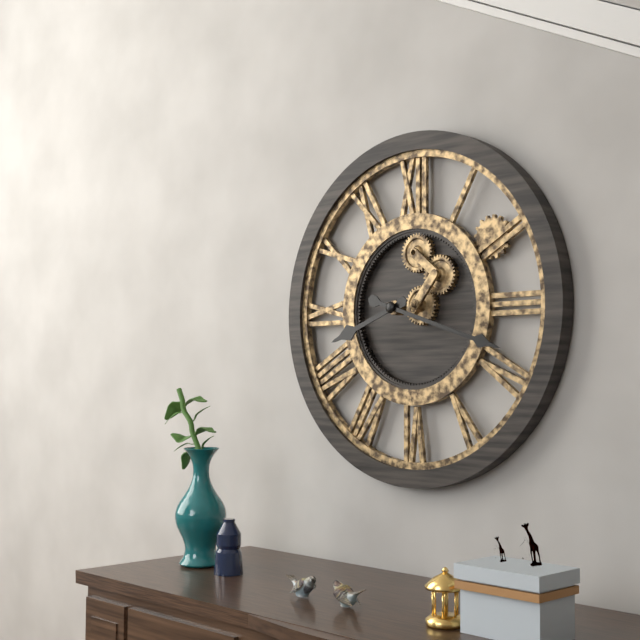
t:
8:18
